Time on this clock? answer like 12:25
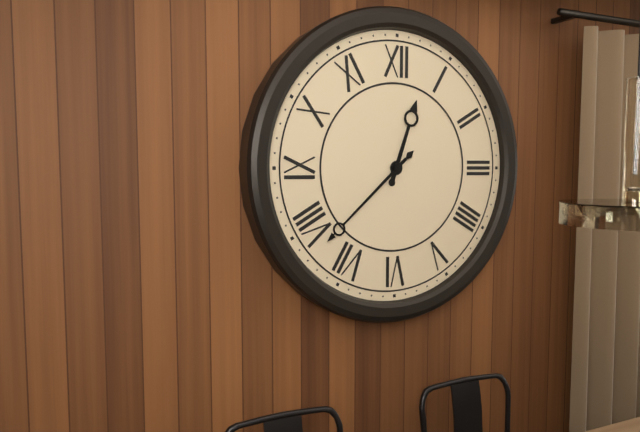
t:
12:38
